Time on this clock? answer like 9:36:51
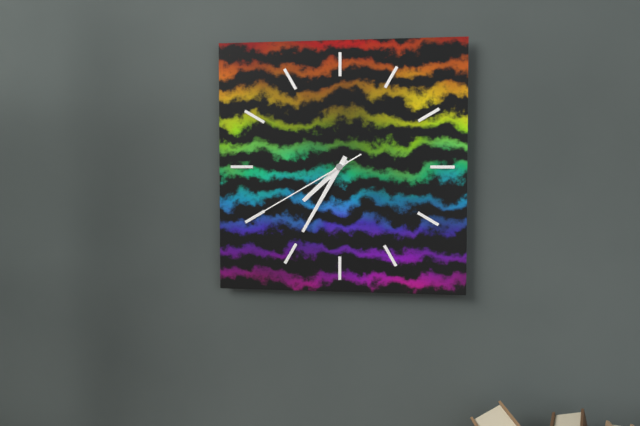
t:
7:35:40
